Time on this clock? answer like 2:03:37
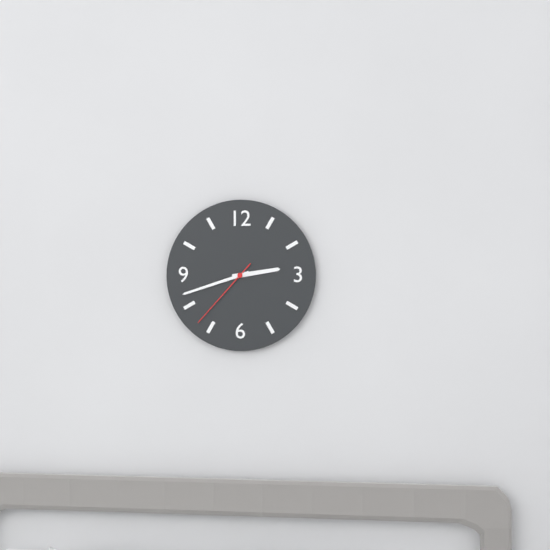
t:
2:42:37
